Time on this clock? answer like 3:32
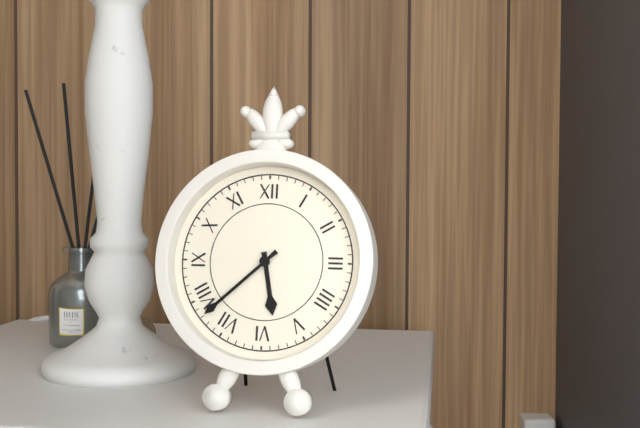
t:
5:38
